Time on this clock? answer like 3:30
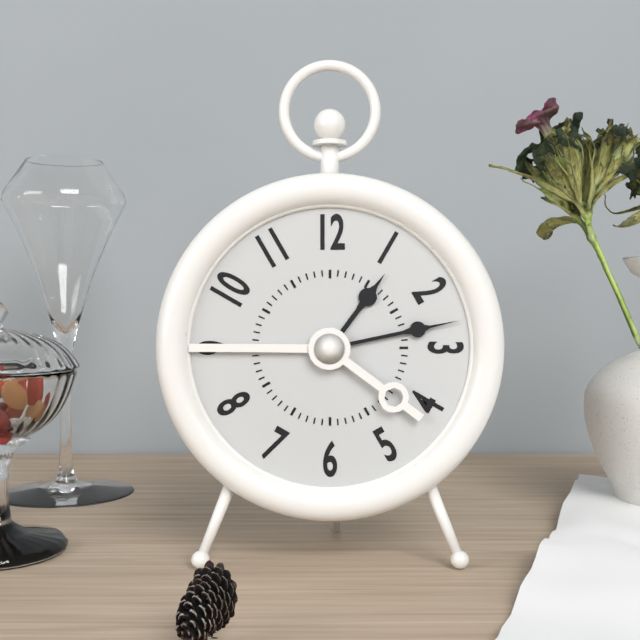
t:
1:13
